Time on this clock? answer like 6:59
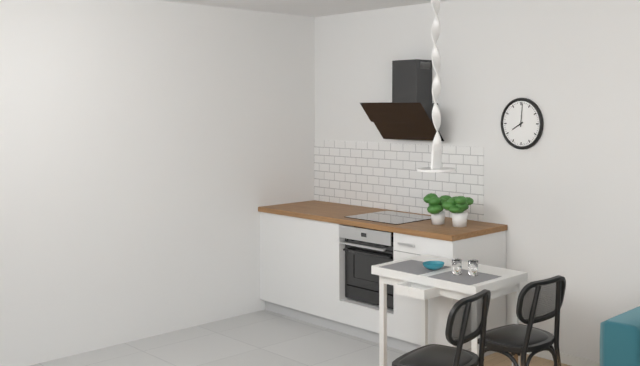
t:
8:01
